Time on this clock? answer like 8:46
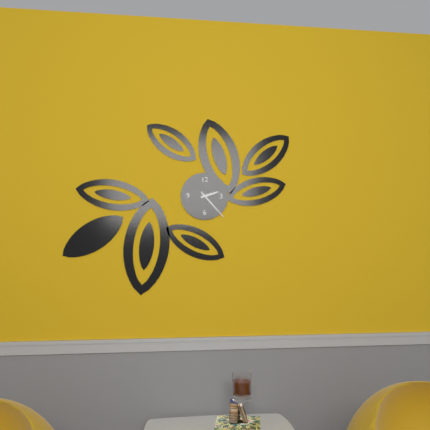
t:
2:23
